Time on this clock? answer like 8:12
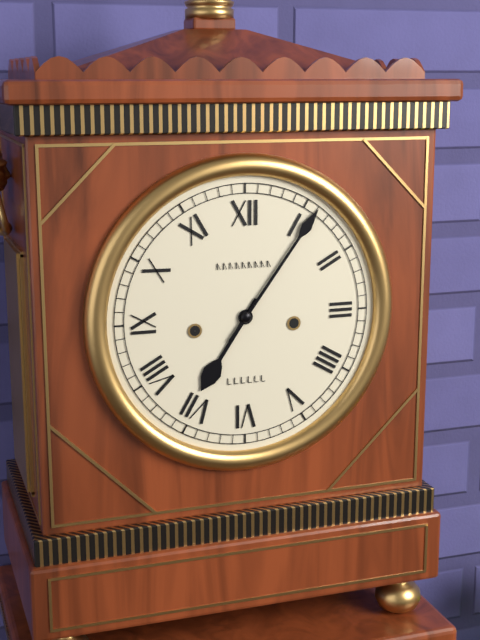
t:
7:06
